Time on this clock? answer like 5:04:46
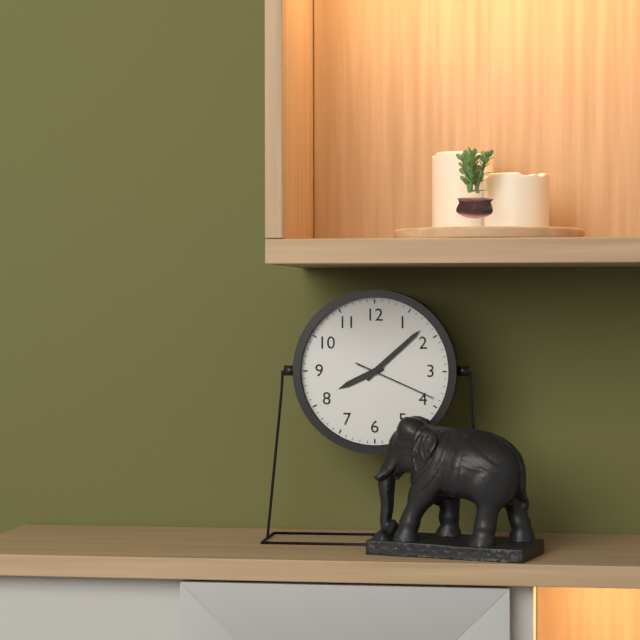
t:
8:08:19
